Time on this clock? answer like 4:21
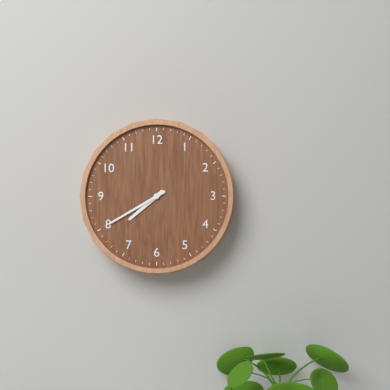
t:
7:40
